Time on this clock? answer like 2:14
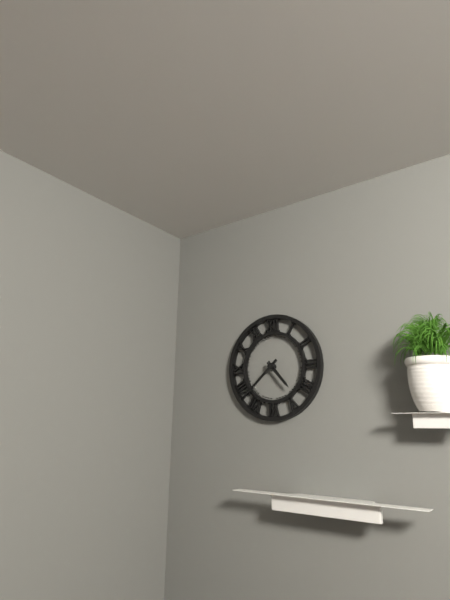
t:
4:38
